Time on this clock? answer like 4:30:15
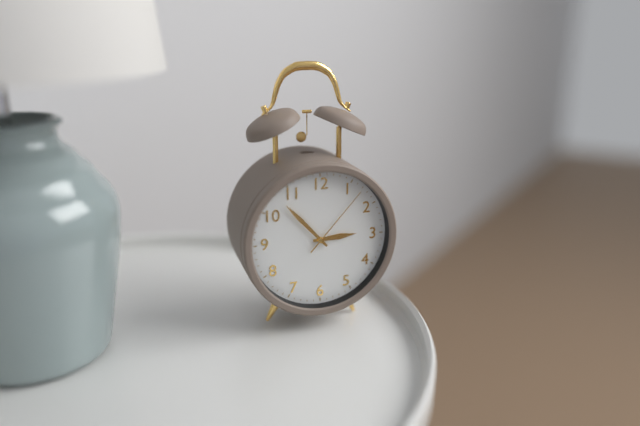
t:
2:53:07
